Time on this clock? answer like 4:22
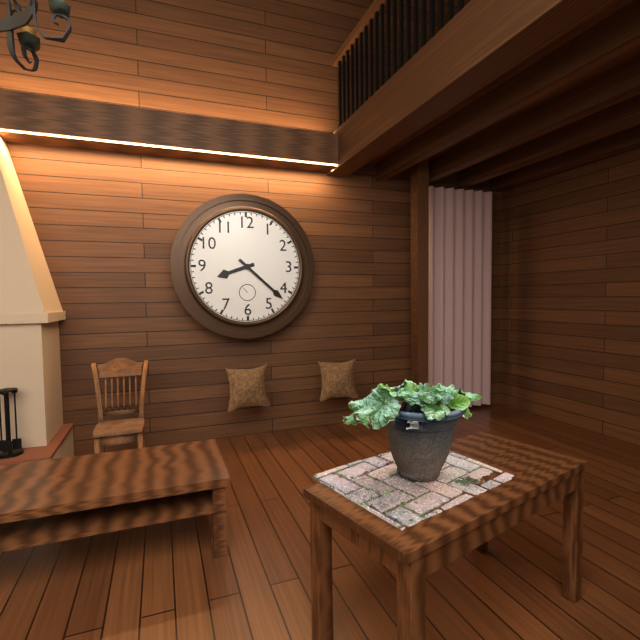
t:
8:22
